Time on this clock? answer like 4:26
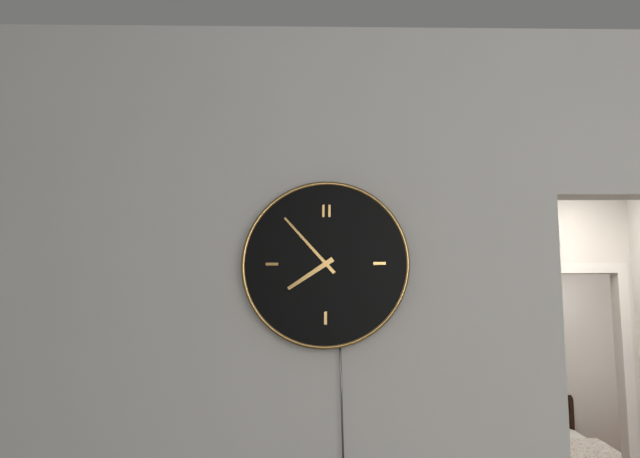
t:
7:53
